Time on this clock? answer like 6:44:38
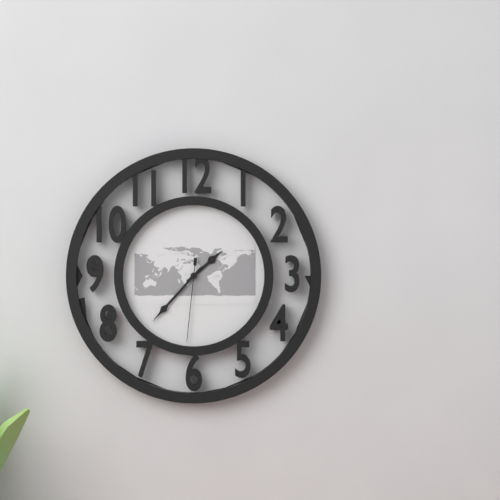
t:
1:37:31
